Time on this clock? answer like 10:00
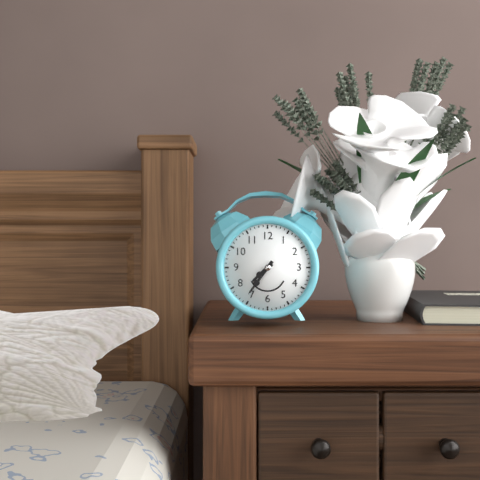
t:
7:36
